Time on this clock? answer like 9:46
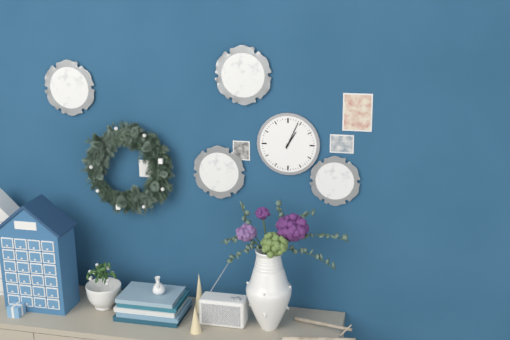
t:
1:04
